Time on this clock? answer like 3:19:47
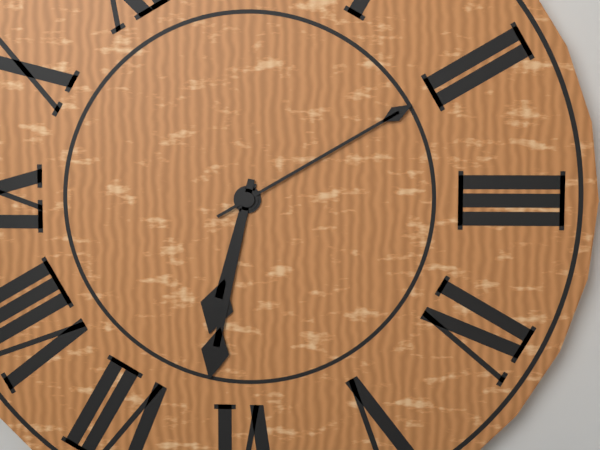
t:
6:32:10
